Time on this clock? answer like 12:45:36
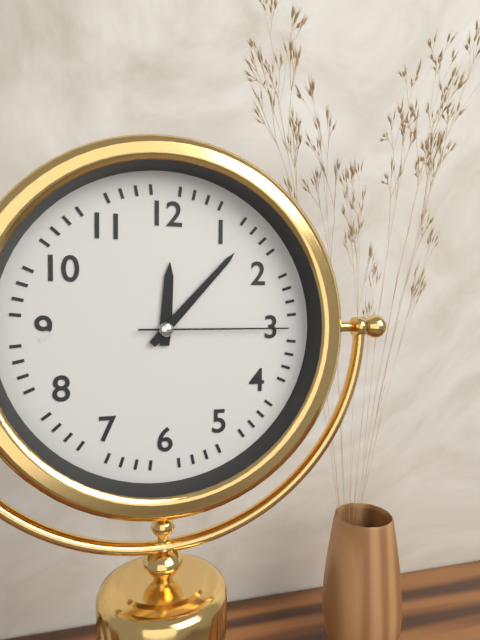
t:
12:07:15
